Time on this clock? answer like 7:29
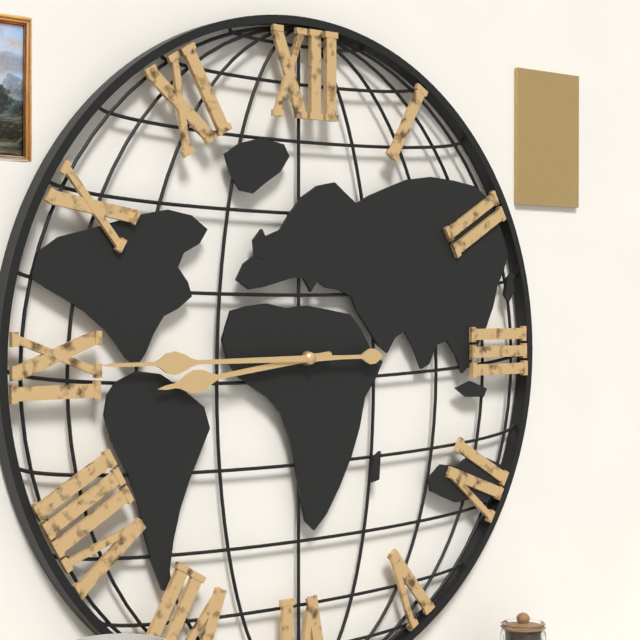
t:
8:45
